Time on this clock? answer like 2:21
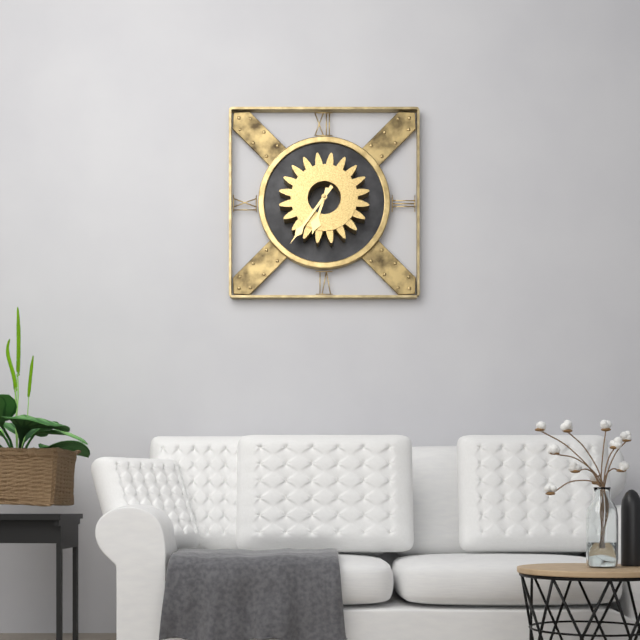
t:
6:36
